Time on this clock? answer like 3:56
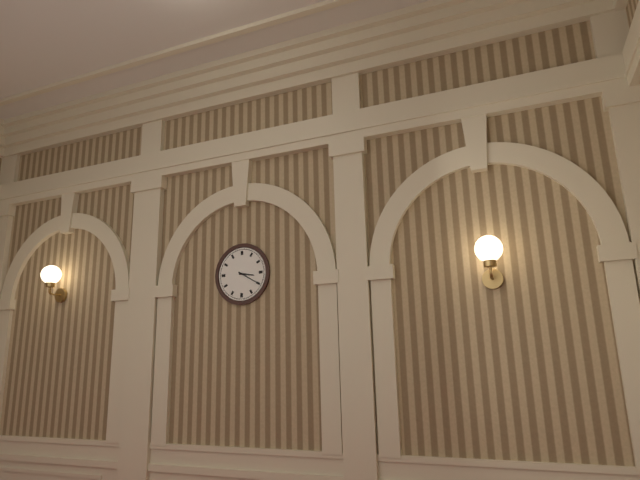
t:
3:20
